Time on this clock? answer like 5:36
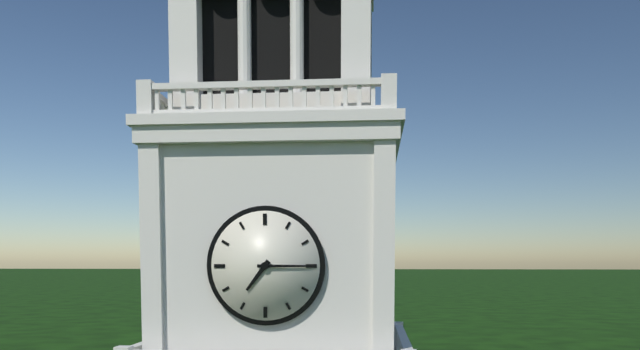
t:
7:15
